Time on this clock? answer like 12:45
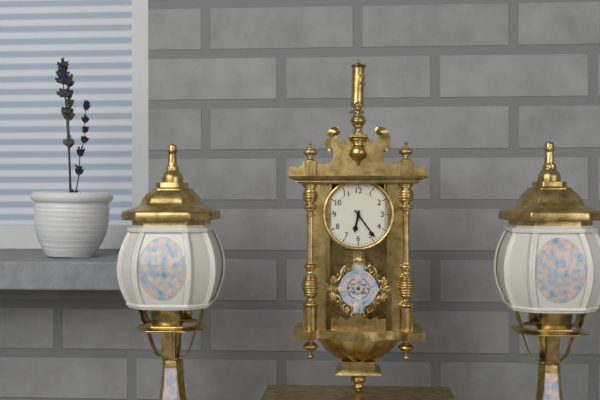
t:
6:24
